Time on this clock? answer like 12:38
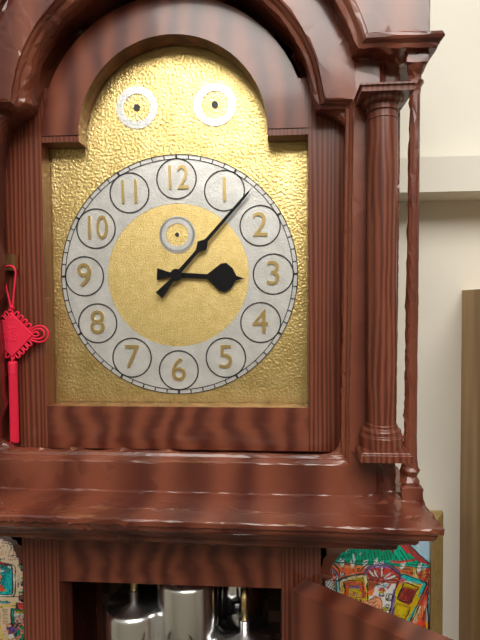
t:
3:07
